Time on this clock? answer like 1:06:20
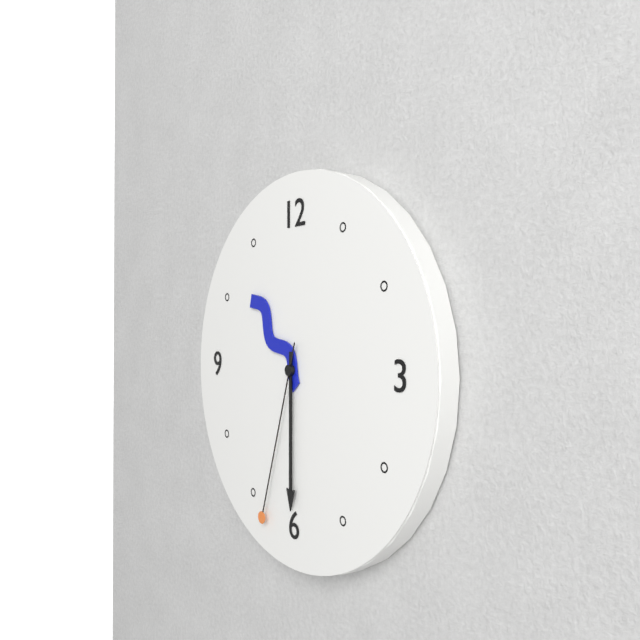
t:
10:30:33
